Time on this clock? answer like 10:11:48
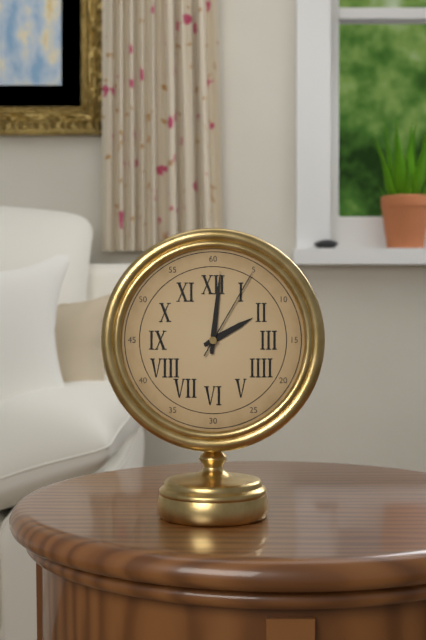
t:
2:01:05
